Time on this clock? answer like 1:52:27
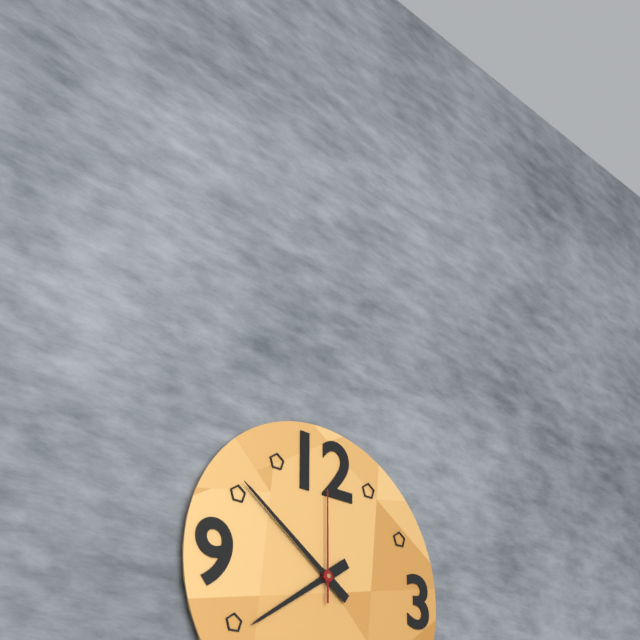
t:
7:51:00
